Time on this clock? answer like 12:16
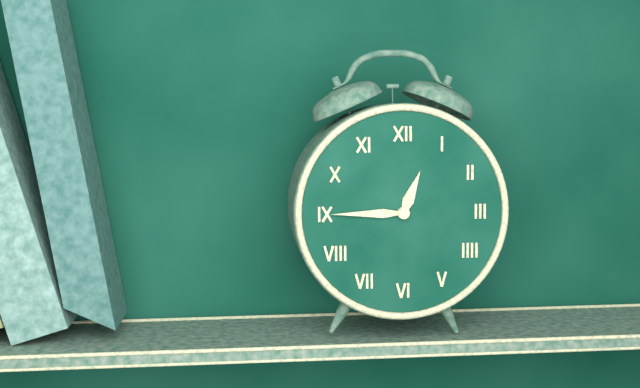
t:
12:45
